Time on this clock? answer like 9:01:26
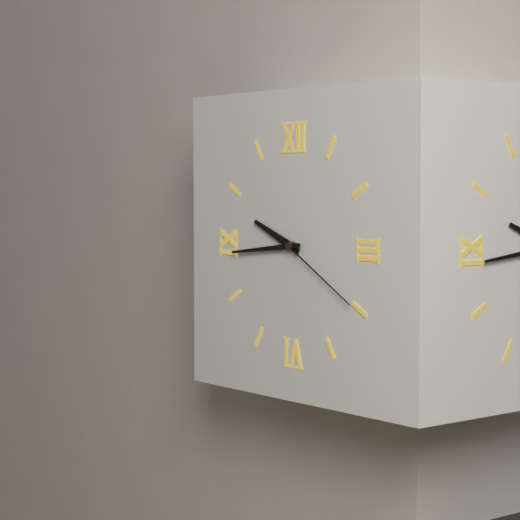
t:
9:44:20
